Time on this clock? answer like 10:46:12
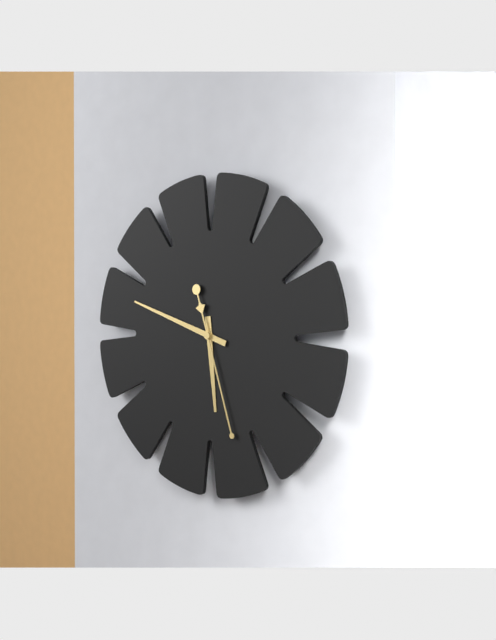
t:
5:48:27
